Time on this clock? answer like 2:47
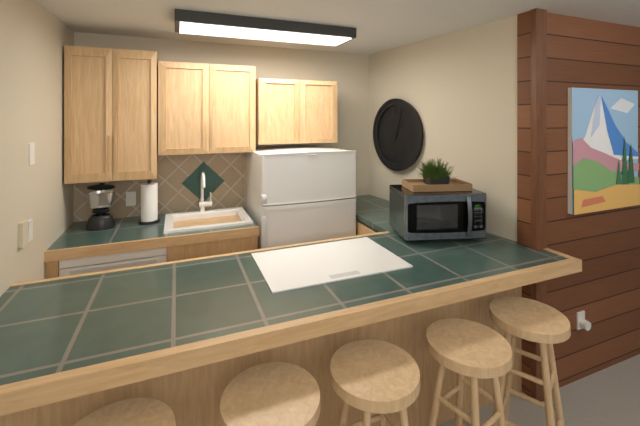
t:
1:03
